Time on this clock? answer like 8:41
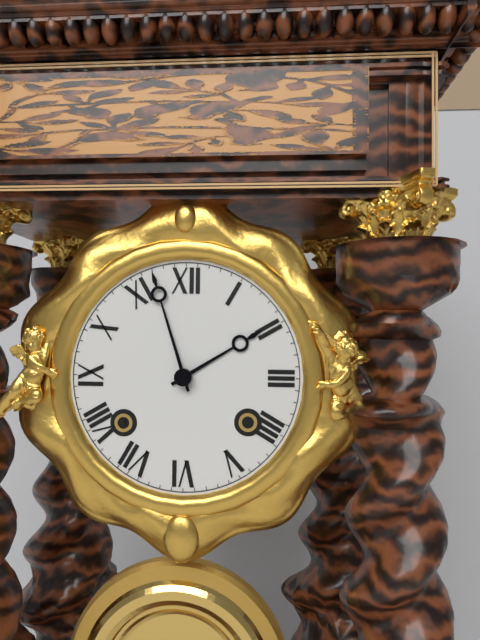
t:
1:57
